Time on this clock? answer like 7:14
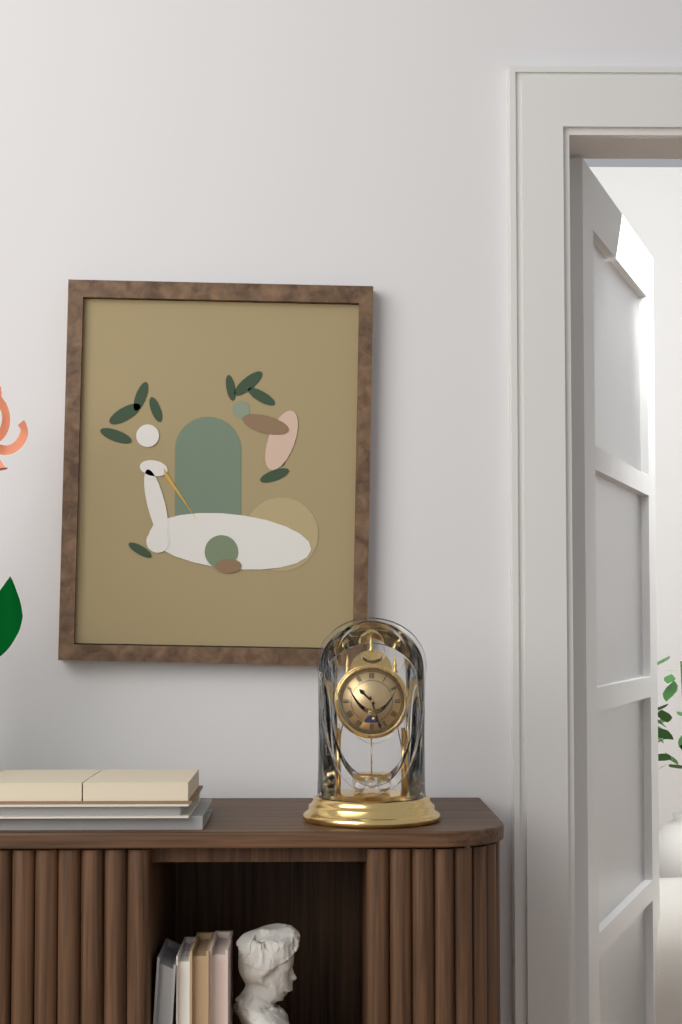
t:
10:27
